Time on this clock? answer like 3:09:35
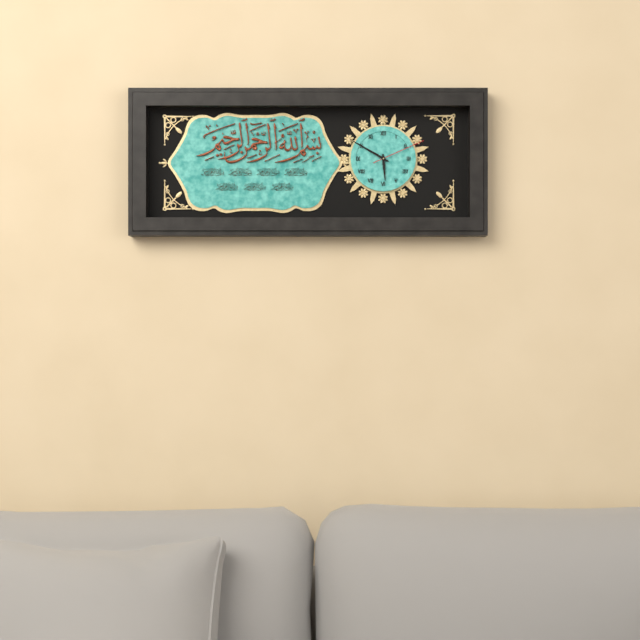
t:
5:50:11
